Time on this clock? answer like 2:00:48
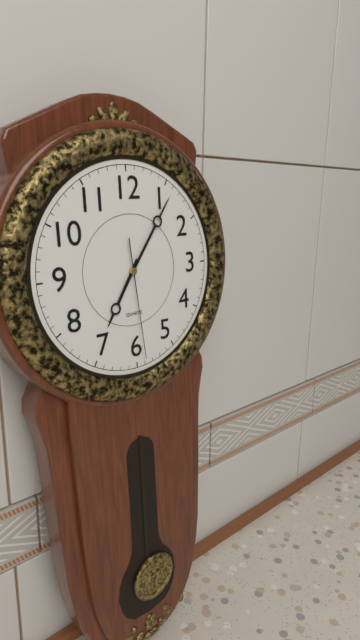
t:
7:06:29
